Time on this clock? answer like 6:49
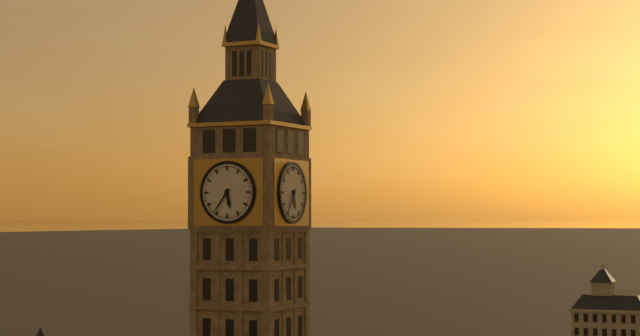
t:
5:36
